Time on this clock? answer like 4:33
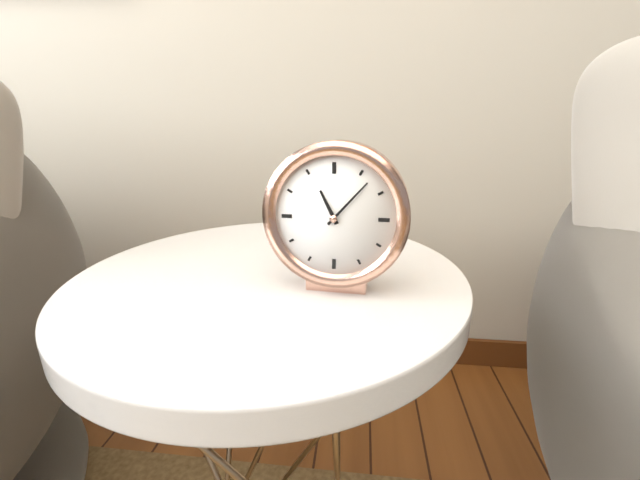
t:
11:07
